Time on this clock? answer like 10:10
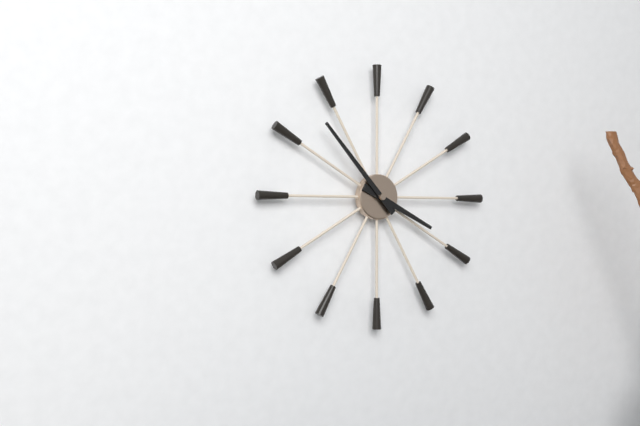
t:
3:53
